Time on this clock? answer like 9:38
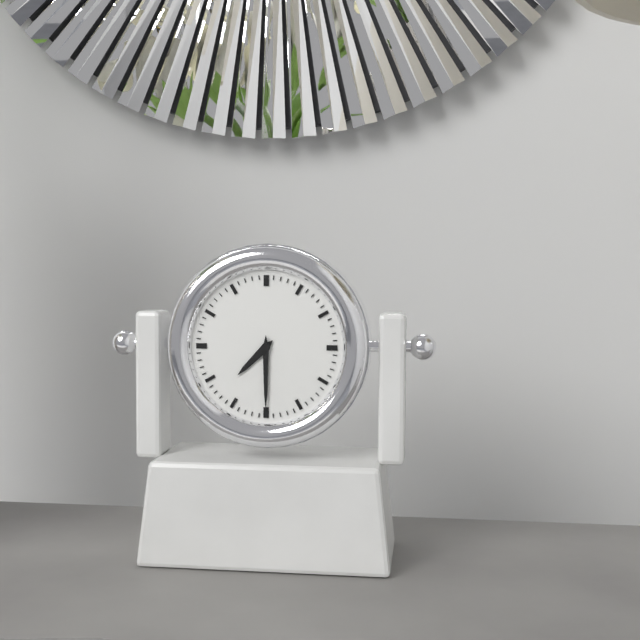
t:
7:30
